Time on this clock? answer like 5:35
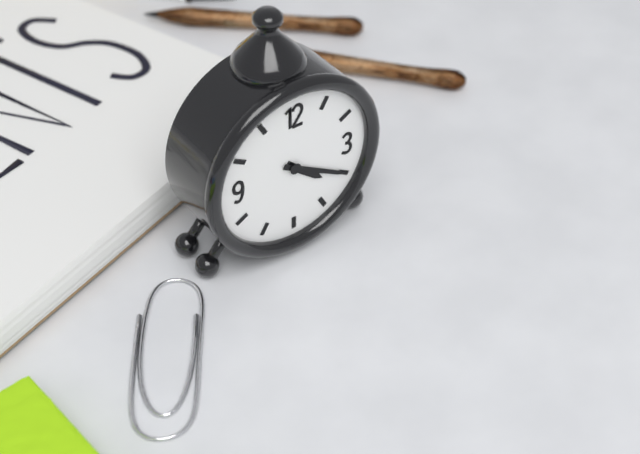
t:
4:20
